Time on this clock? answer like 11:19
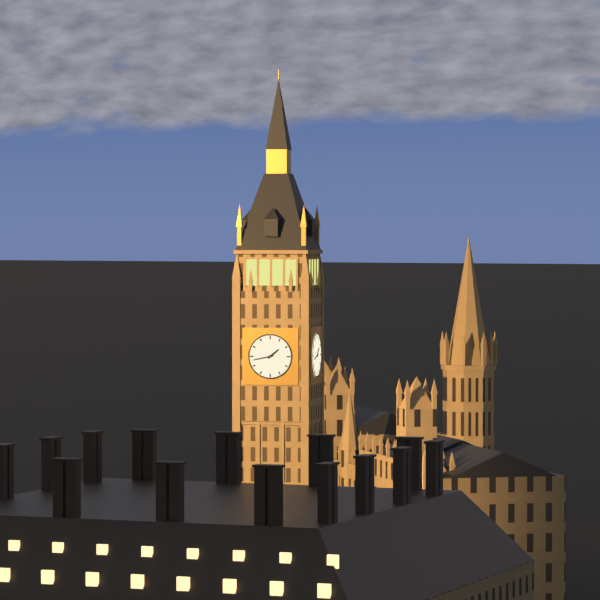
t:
1:43
